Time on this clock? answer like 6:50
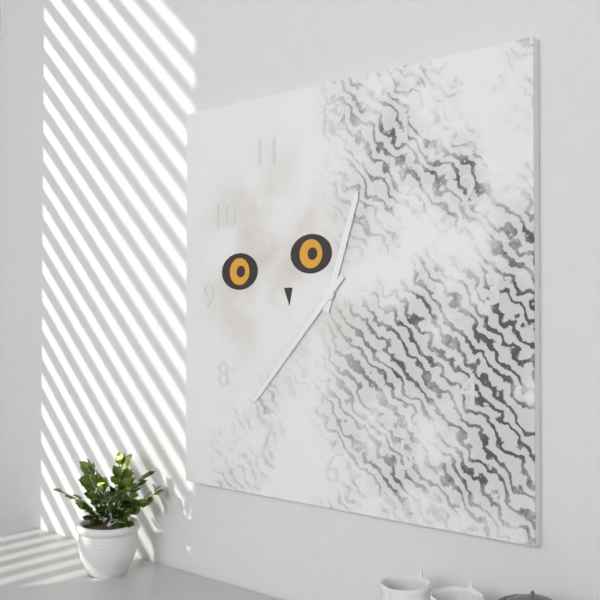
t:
12:37
